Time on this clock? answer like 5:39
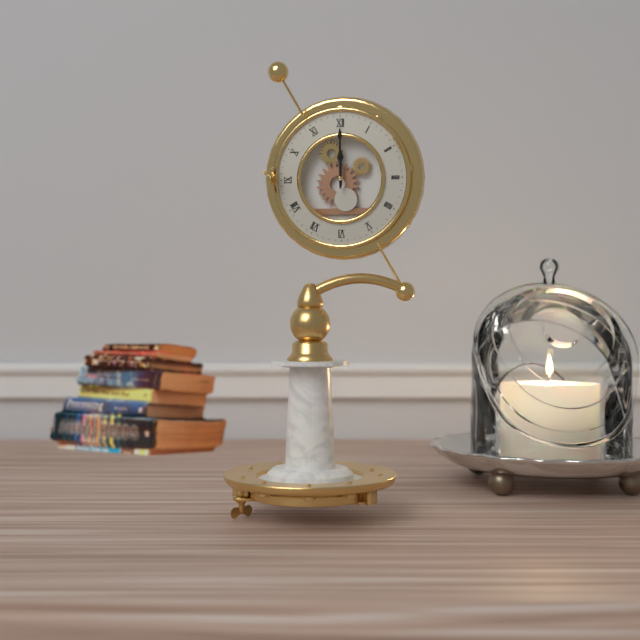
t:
12:00
